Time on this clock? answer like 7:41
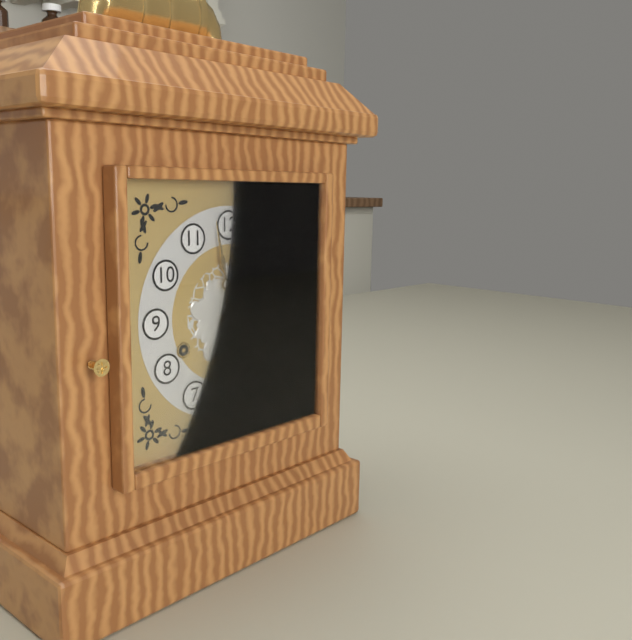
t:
1:58
